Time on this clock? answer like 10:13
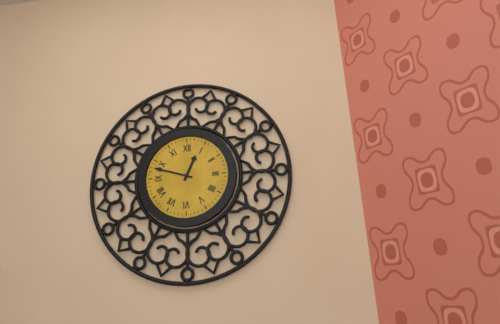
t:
12:48
